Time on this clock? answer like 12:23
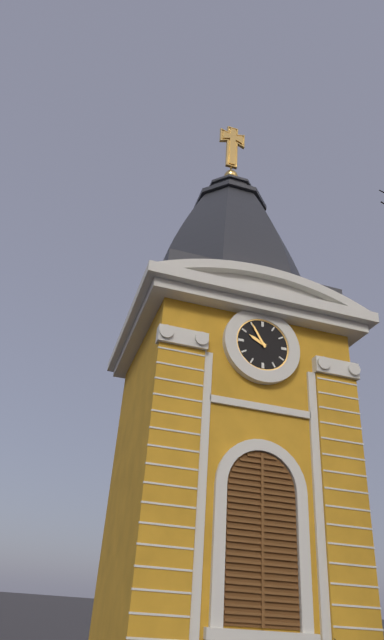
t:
9:55
